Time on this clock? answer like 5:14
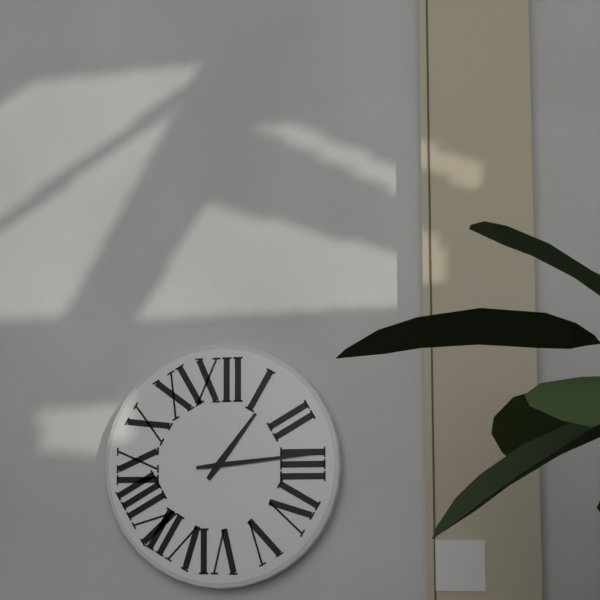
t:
1:14
